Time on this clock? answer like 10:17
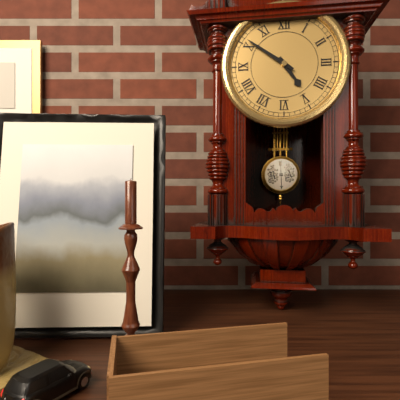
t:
4:51
